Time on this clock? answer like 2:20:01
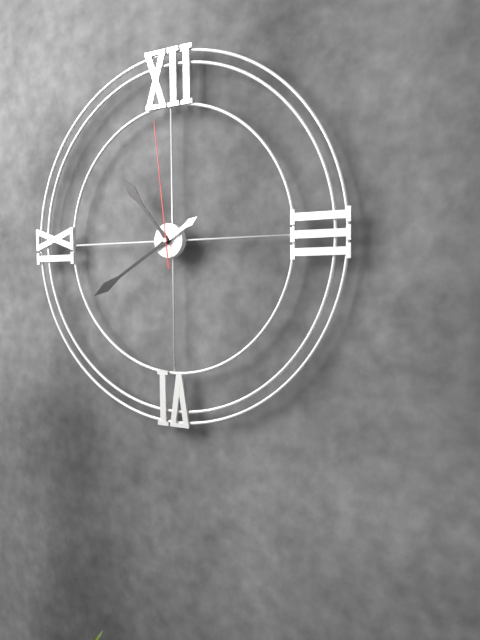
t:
10:40:59
